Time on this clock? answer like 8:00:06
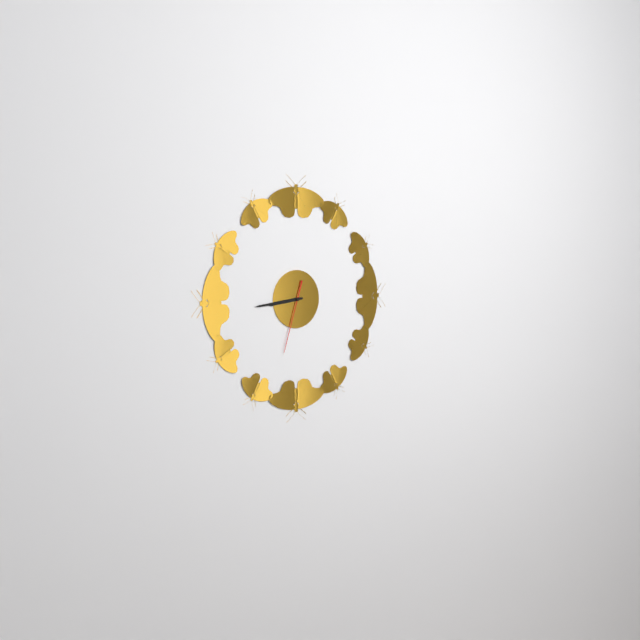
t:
8:44:33
